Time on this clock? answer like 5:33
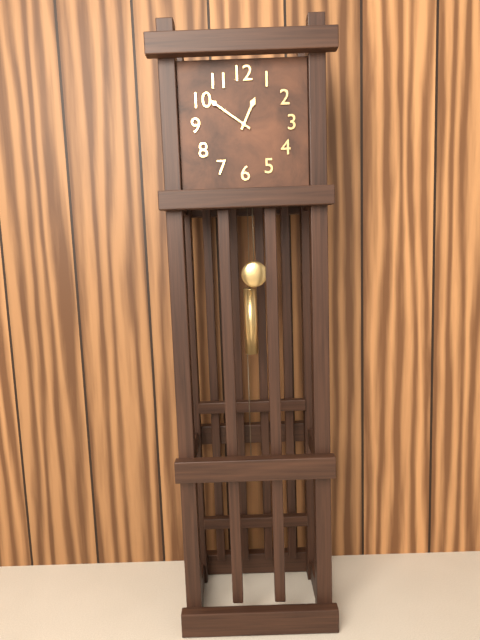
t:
12:51
